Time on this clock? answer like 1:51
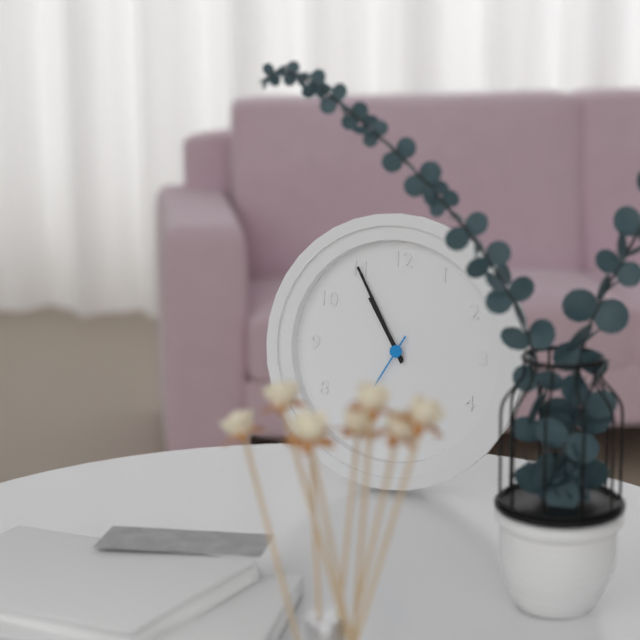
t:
10:55
